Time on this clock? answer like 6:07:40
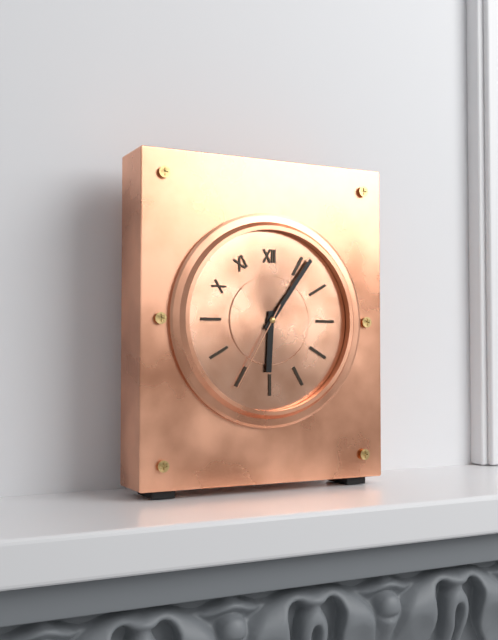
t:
6:06:35
